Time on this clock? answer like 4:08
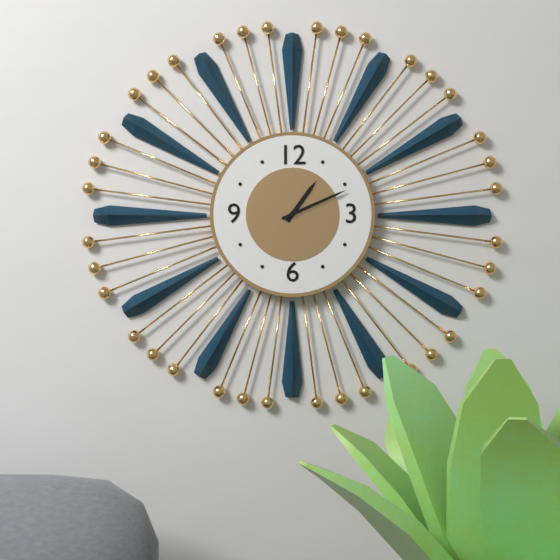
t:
1:11
